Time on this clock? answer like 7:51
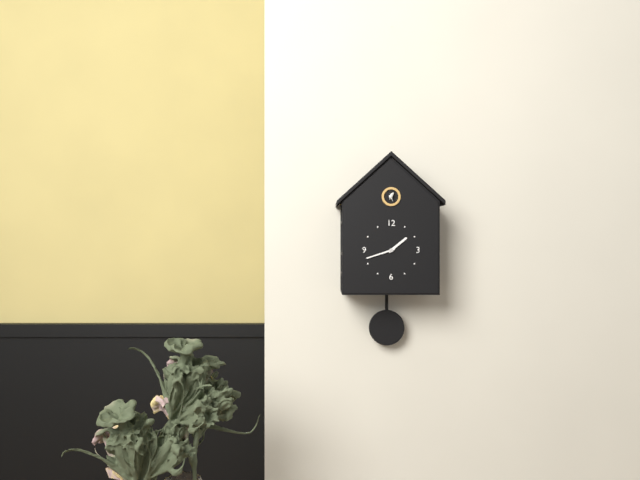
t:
1:42
